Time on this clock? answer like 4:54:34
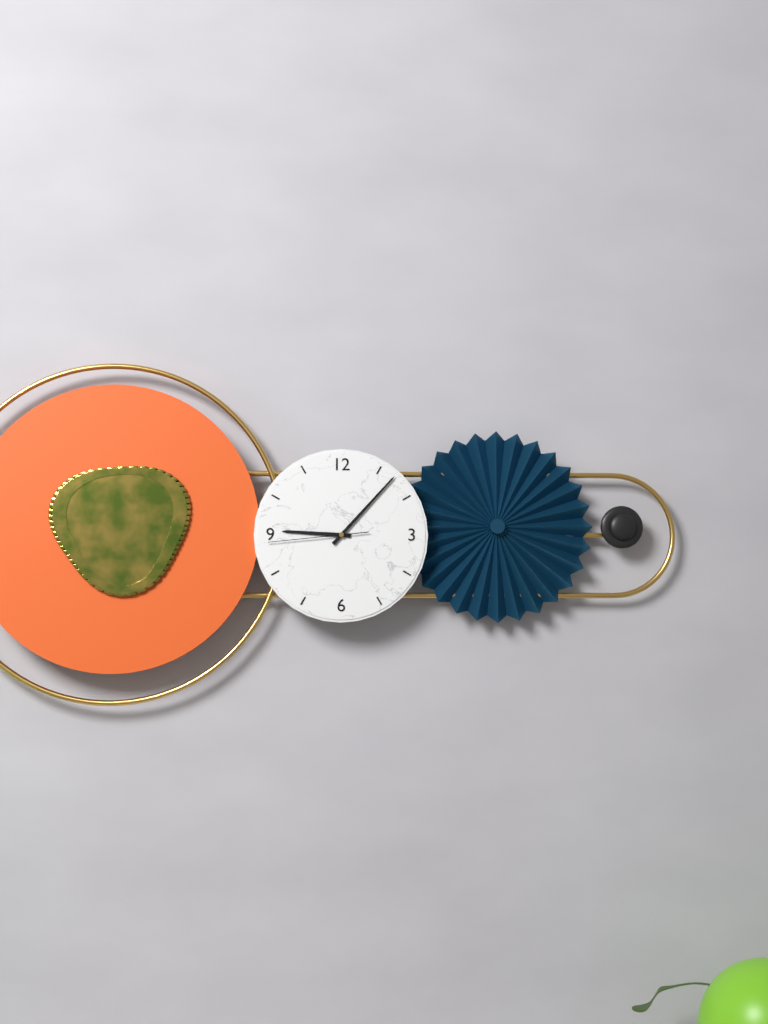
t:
9:07:44
